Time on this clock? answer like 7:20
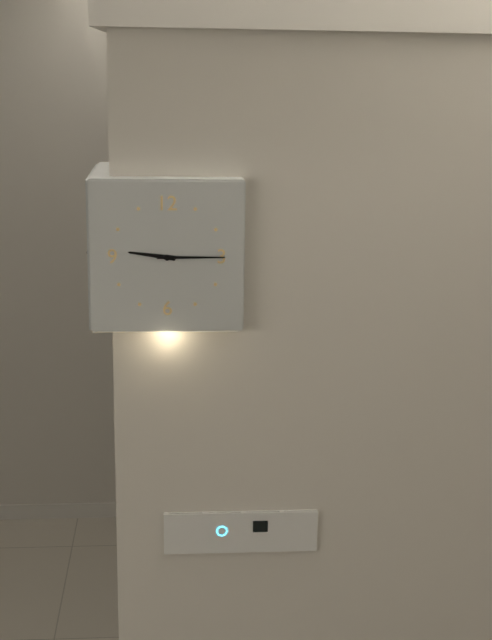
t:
9:15
